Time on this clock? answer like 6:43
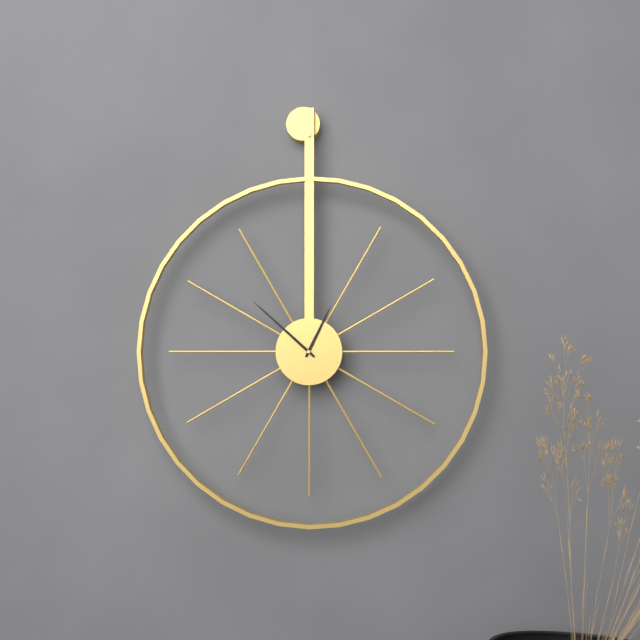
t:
12:52
